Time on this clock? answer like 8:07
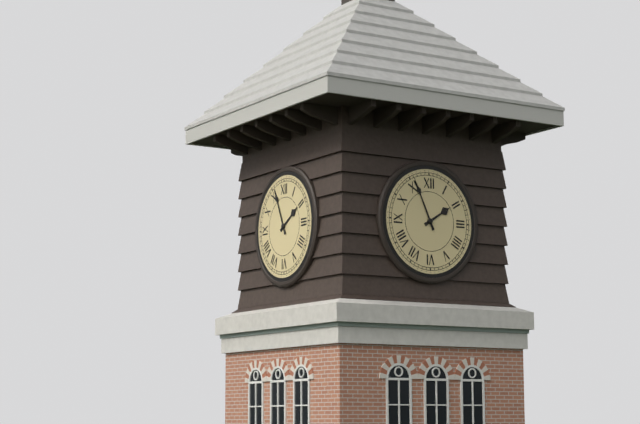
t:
1:56
